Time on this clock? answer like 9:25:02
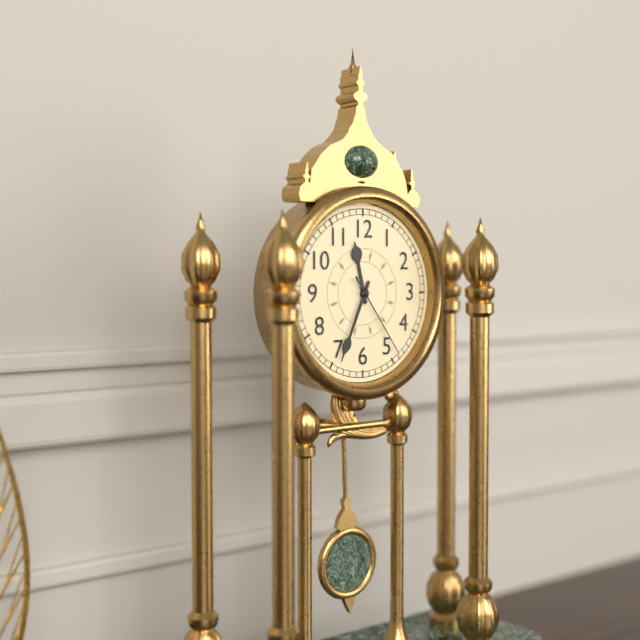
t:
11:34:24
